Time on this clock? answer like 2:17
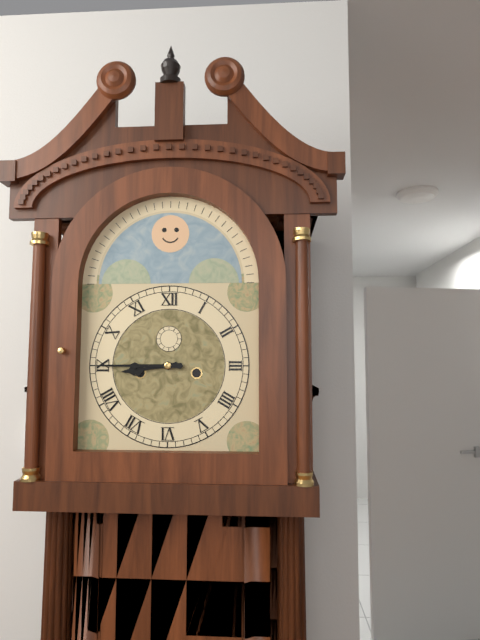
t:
8:45
